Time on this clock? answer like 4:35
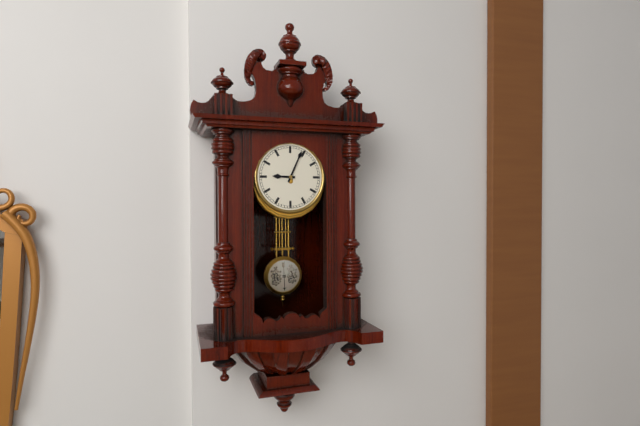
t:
9:04
